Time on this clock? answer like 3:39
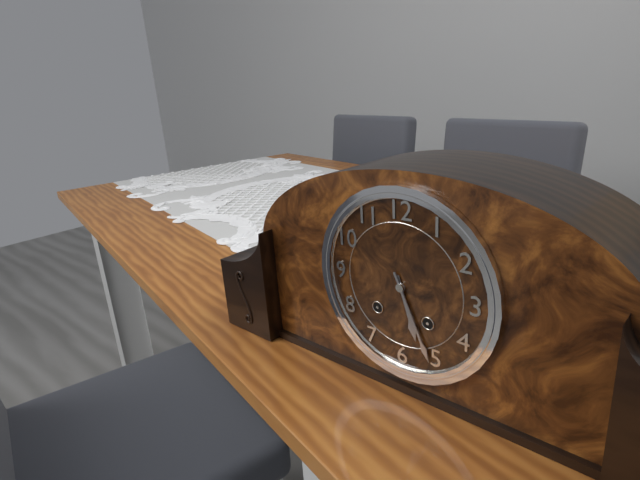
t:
5:26
